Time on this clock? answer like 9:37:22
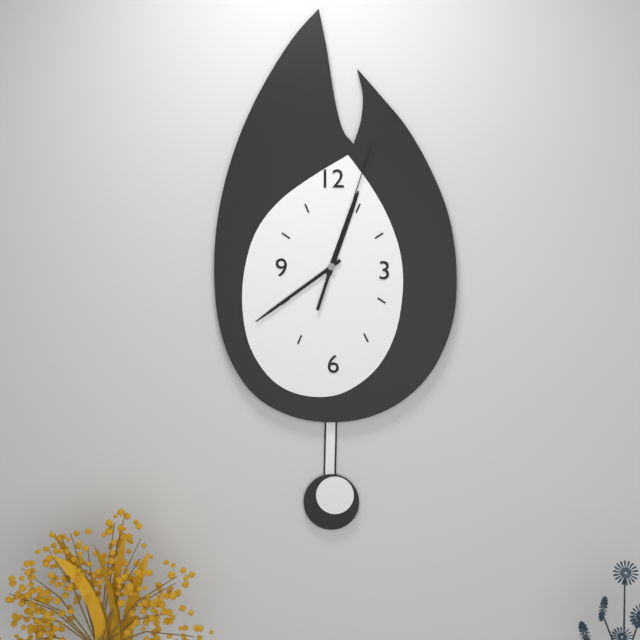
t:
12:39:03
